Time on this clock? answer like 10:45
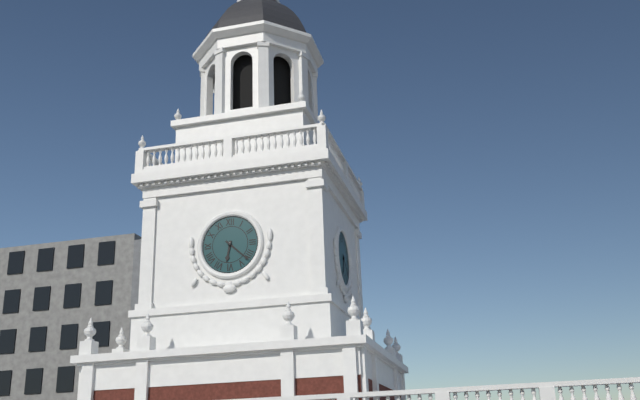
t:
6:22
